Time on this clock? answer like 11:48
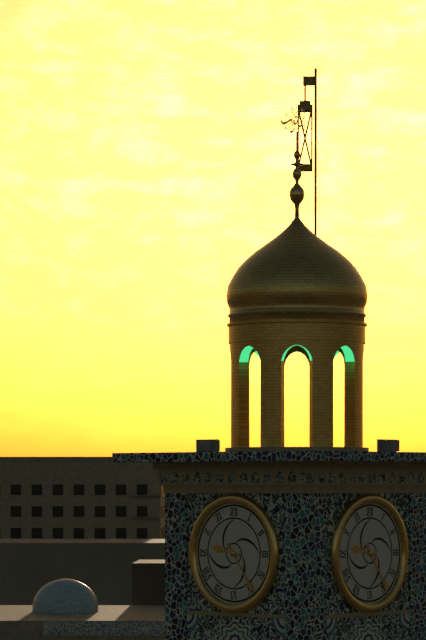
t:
9:24
